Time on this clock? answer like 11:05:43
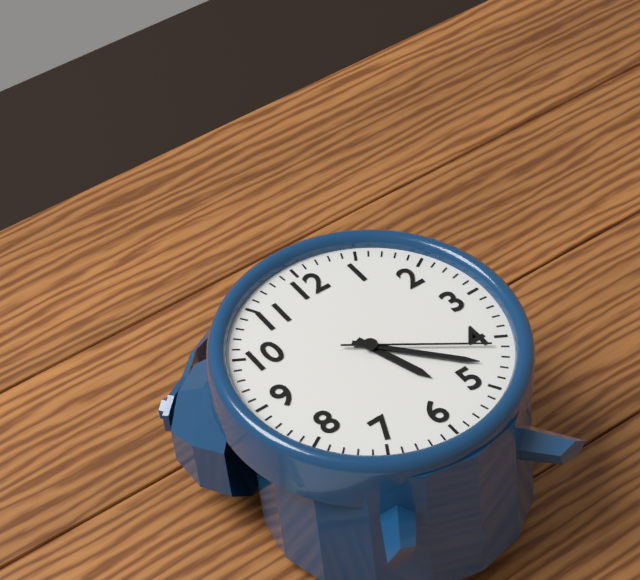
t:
5:23:21
